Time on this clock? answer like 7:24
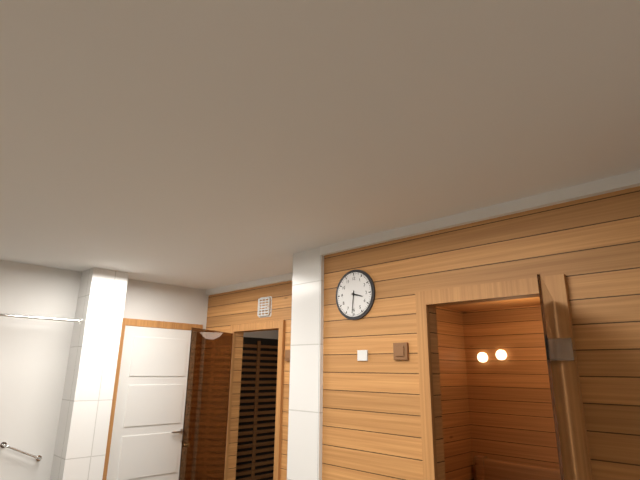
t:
3:31
